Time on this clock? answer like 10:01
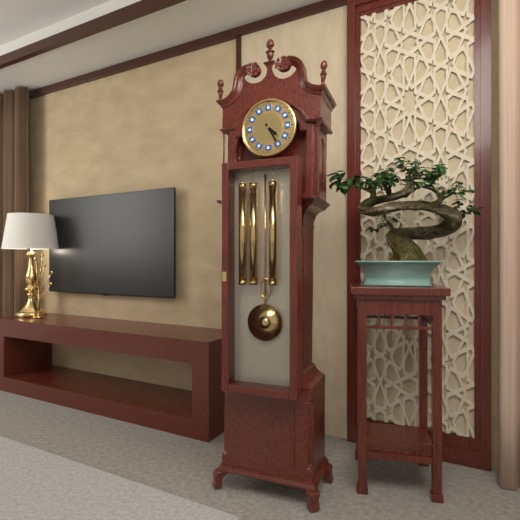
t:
4:25
